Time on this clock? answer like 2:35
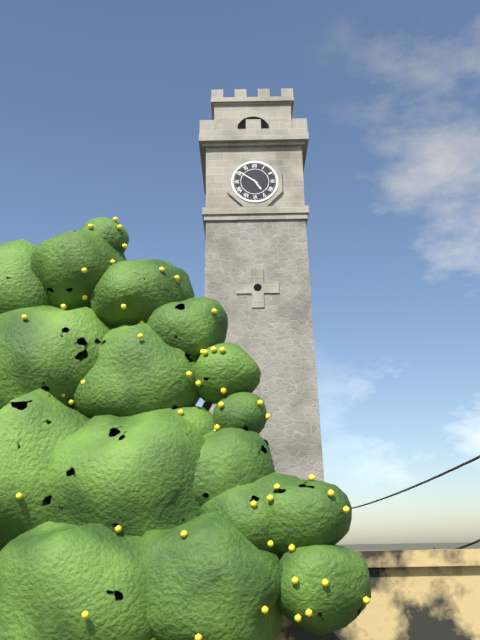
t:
4:51
